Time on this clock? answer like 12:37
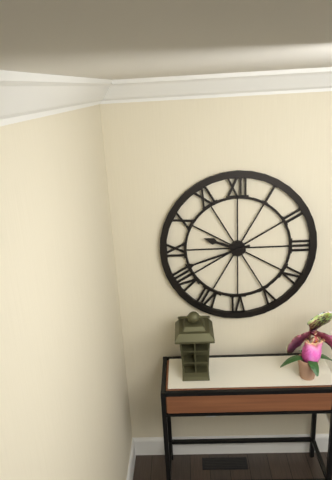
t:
9:42
